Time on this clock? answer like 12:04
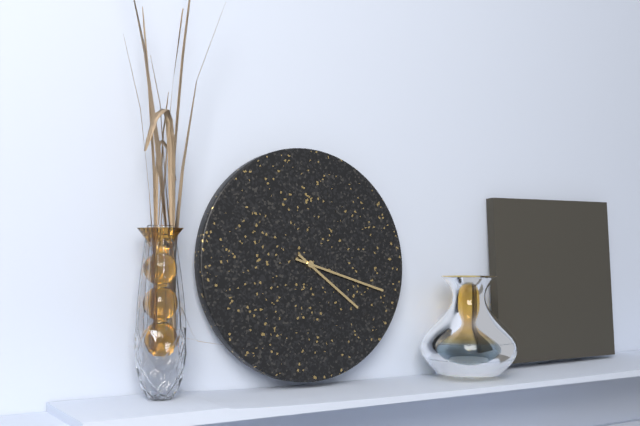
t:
4:18
